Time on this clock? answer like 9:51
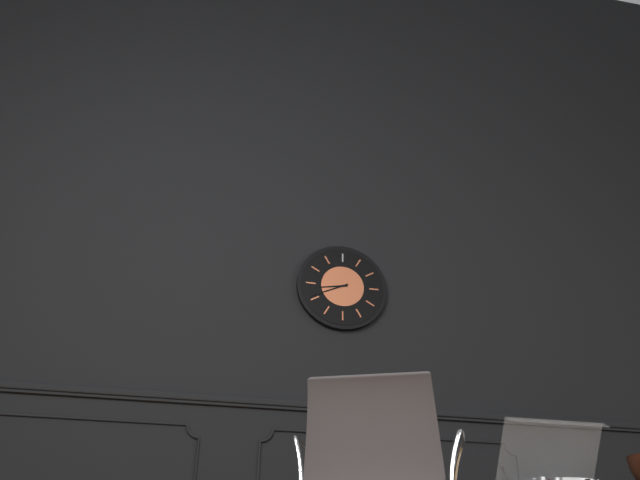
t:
8:41
